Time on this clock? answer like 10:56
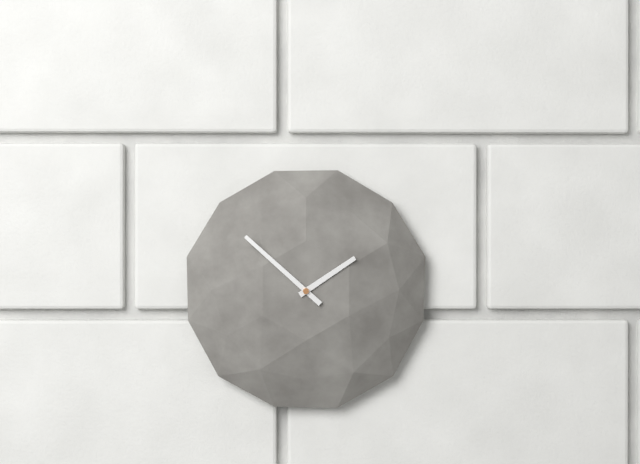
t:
1:52
